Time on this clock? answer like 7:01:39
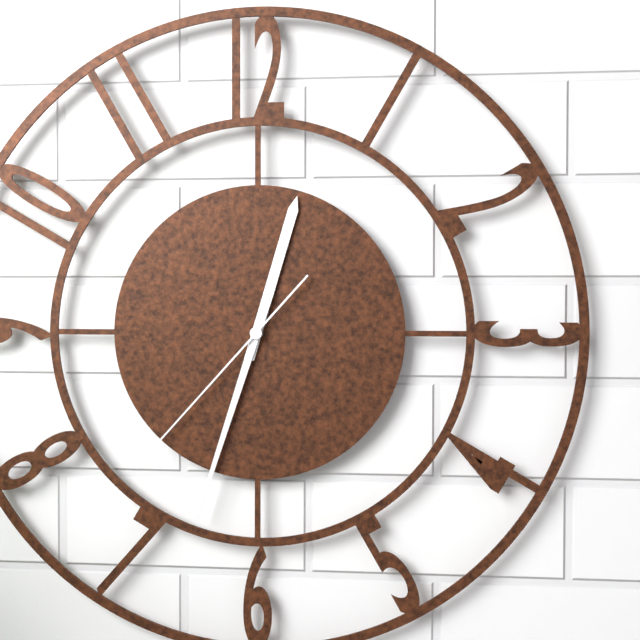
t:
12:33:37
